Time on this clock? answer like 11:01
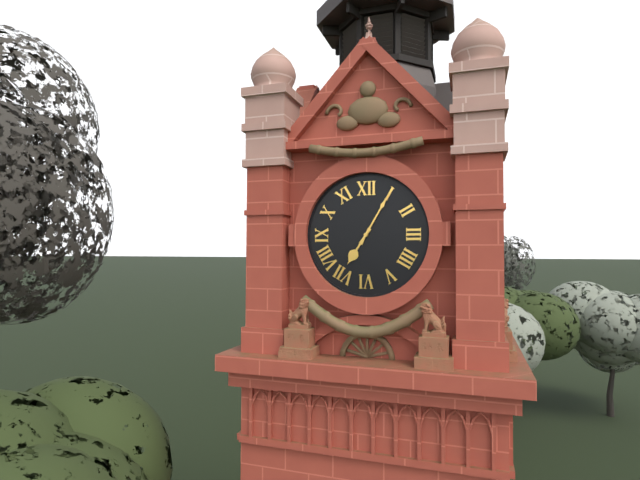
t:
7:05
